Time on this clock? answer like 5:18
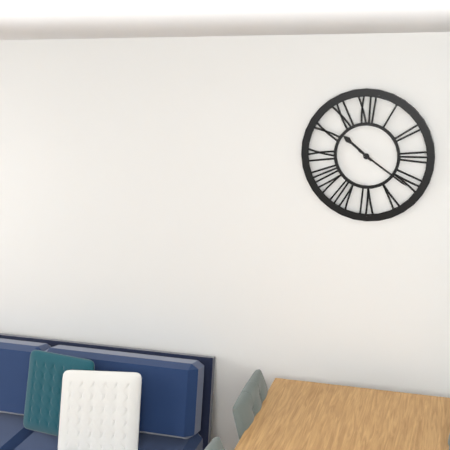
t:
10:21
